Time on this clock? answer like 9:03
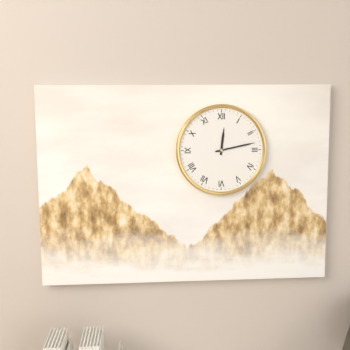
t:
12:13
